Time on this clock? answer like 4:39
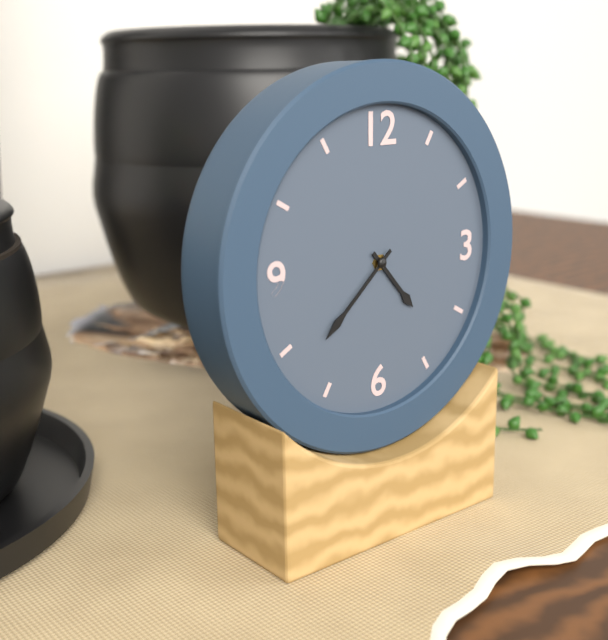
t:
4:38
